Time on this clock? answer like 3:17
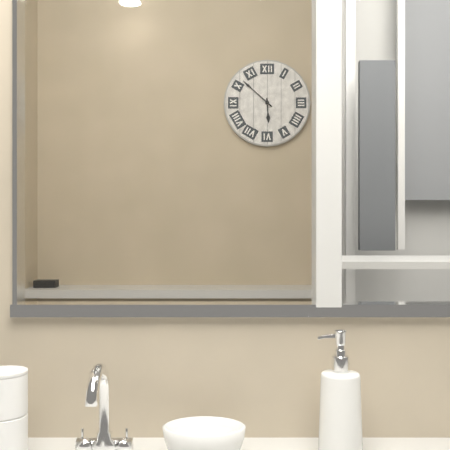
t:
5:52
